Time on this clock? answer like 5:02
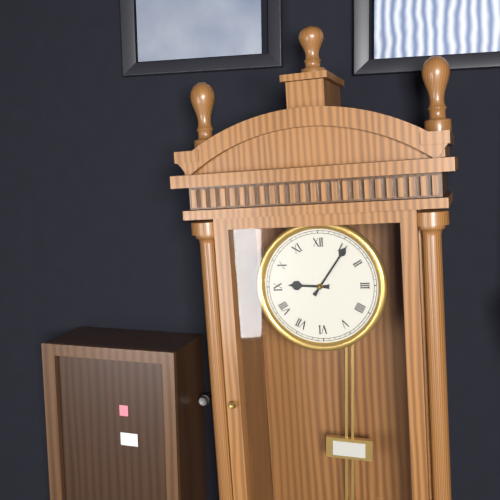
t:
9:06
